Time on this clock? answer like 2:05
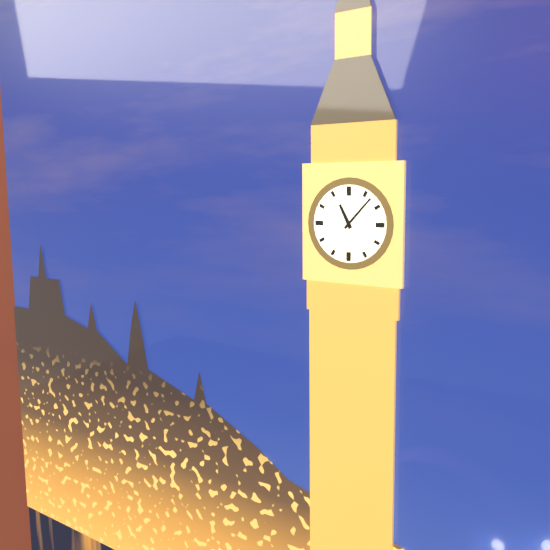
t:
11:07
